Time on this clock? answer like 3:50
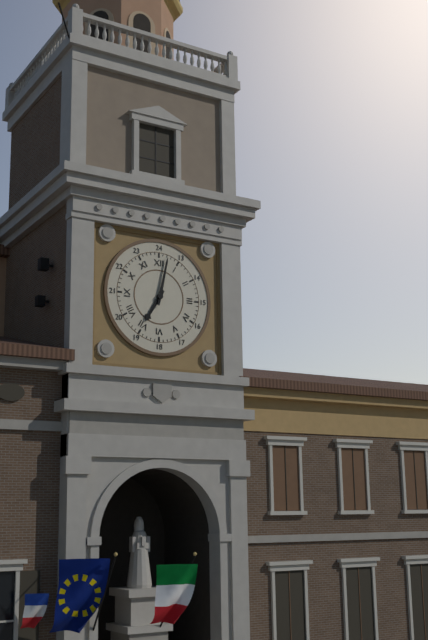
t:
7:02
